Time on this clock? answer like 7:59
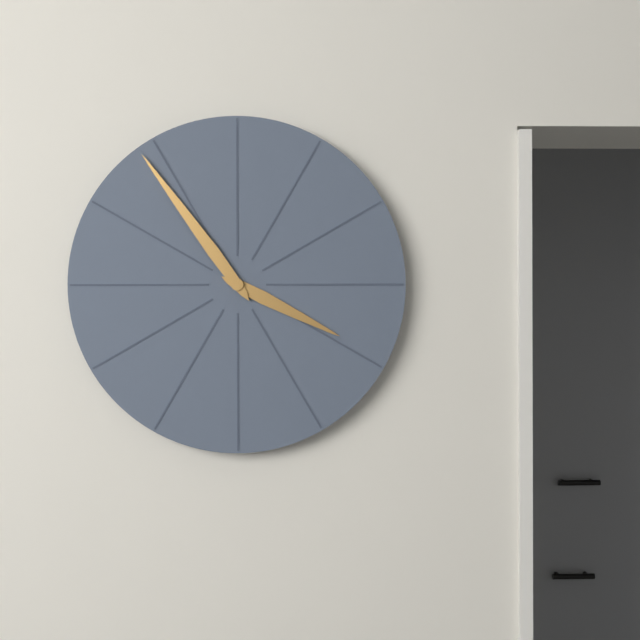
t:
3:54
